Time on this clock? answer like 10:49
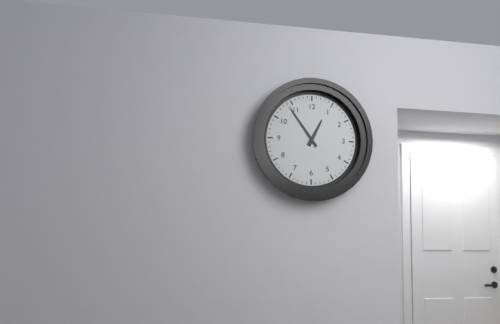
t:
12:54
